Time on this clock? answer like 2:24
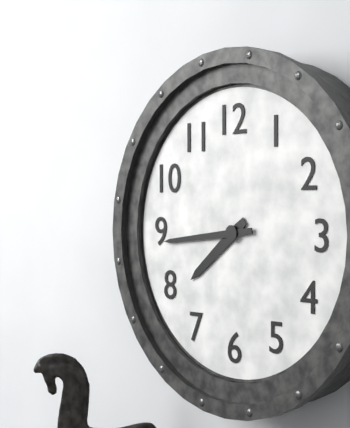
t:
7:44
